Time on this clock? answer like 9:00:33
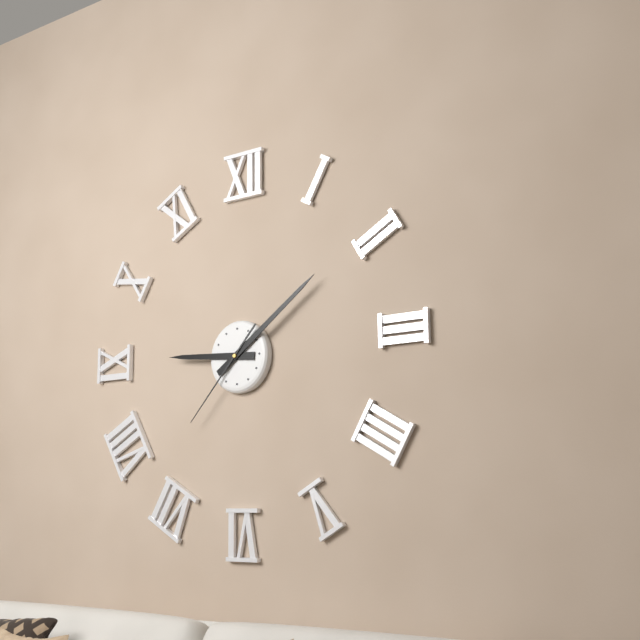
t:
9:09:37
